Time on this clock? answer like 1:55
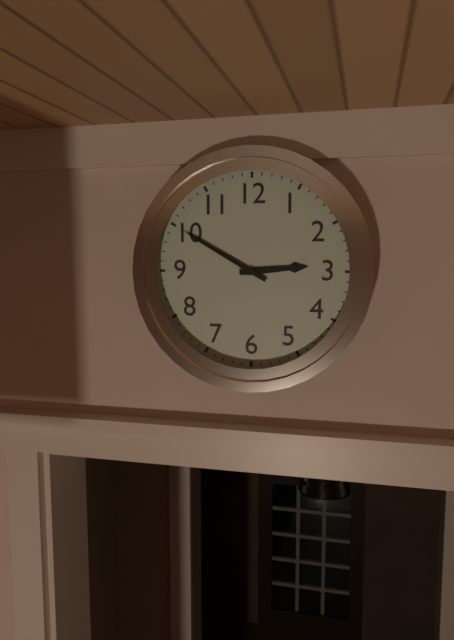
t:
2:50
